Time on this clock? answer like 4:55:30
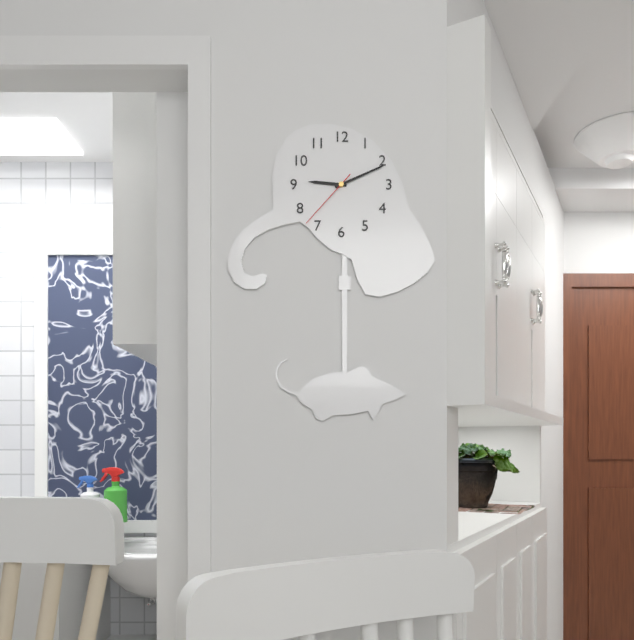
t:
9:11:37
